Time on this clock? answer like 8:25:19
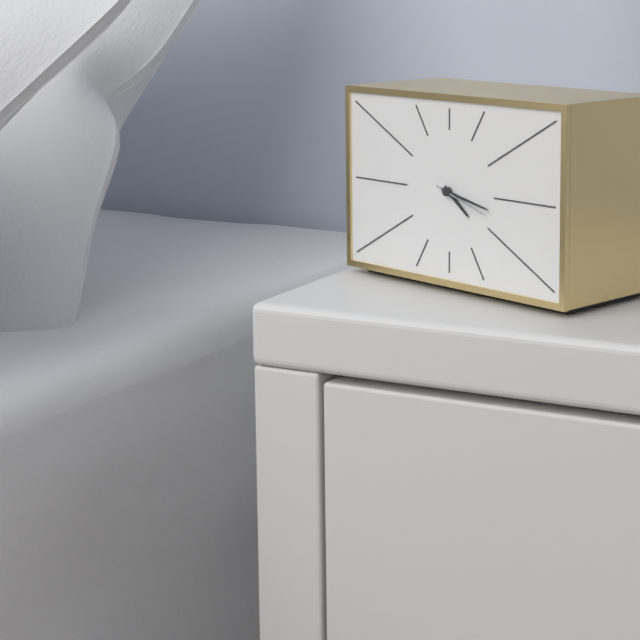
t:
4:17:18
